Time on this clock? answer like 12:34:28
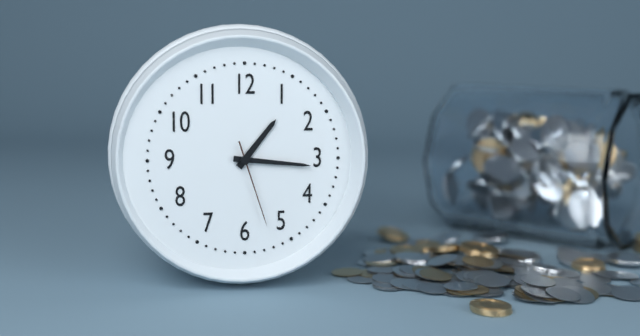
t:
1:16:27
